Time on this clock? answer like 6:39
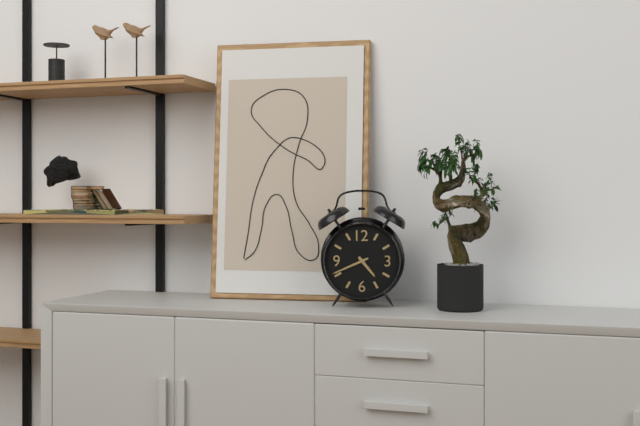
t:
4:41
